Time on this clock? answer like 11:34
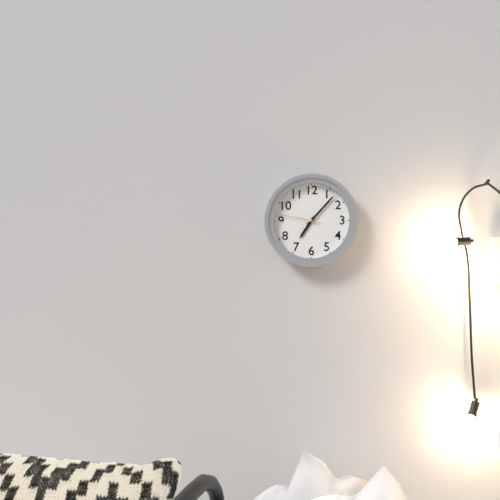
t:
7:07
